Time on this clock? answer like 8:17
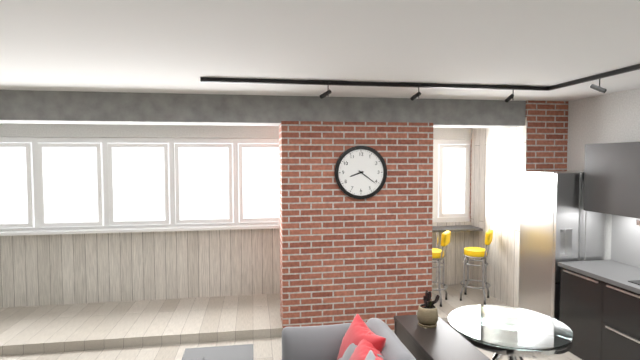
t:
8:21
